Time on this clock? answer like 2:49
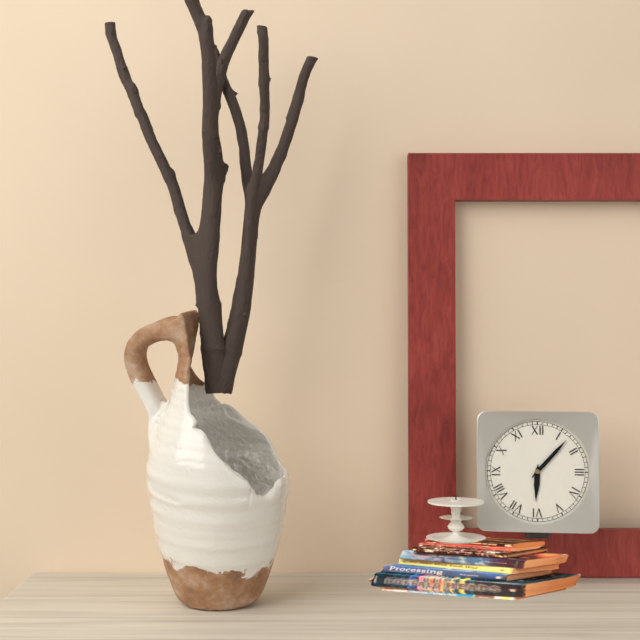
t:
6:07
